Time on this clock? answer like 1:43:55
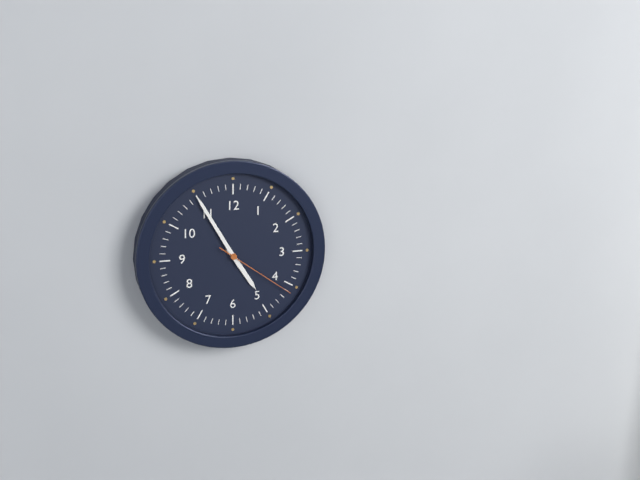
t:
4:55:21
